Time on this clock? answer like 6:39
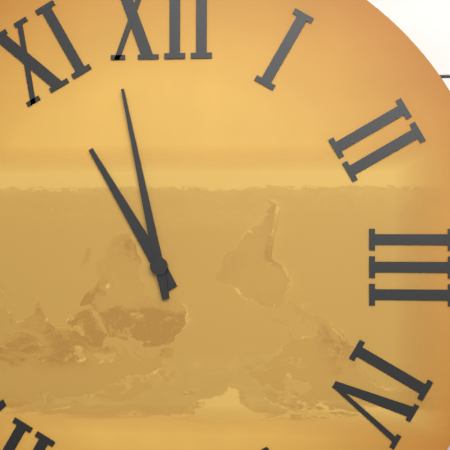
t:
10:58
